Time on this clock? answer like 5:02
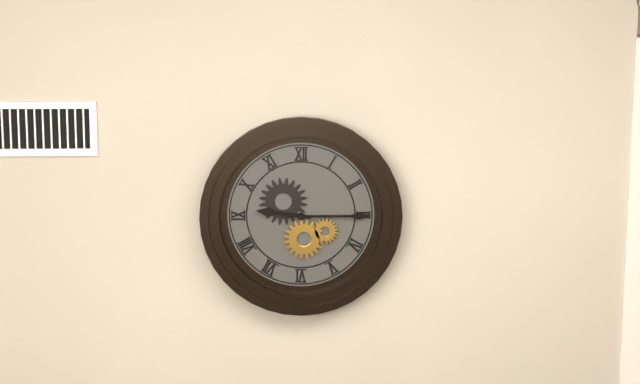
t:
9:15
